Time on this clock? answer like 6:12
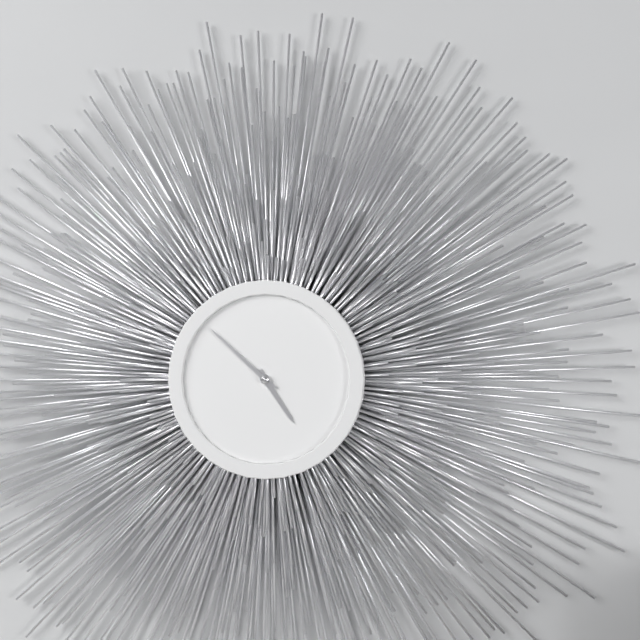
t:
4:52
